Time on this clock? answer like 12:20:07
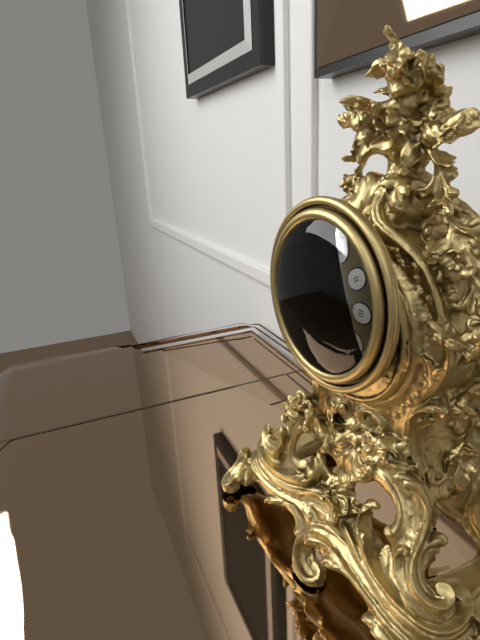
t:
7:52:30
